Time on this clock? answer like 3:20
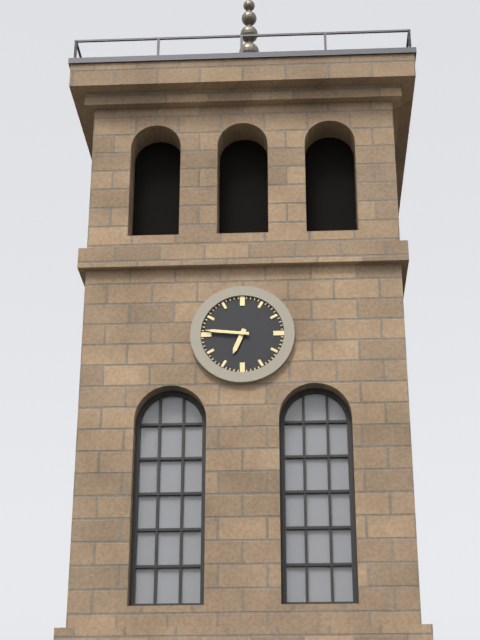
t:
6:46
